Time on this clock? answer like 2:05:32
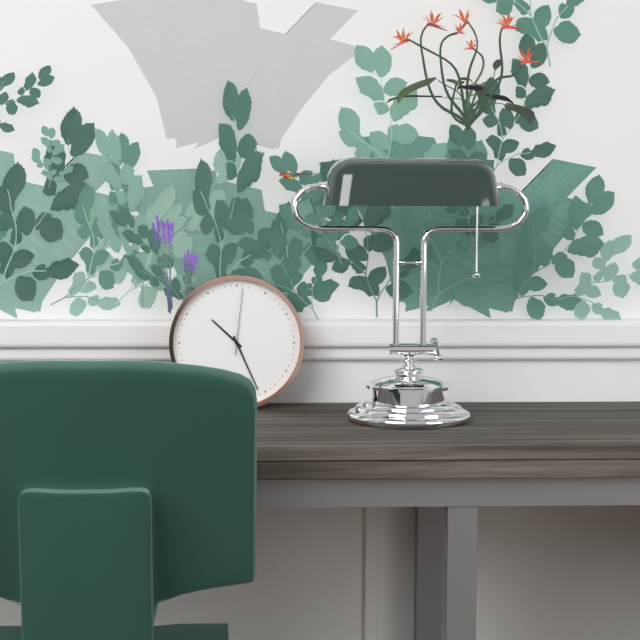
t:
10:26:01
